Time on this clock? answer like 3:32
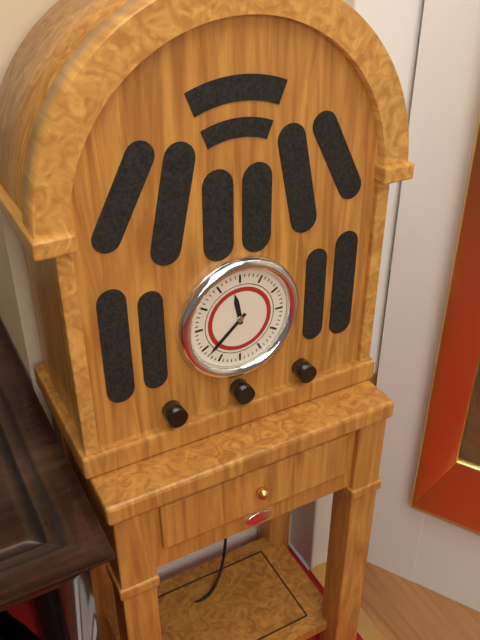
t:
11:38
